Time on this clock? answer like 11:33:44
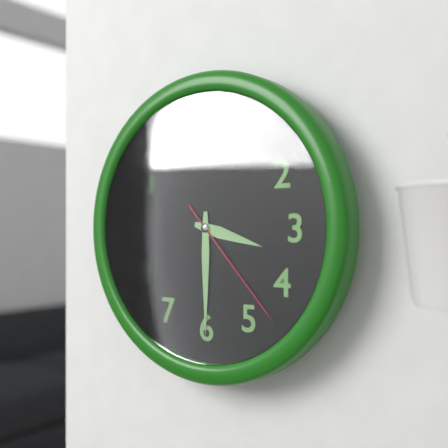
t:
3:30:23
